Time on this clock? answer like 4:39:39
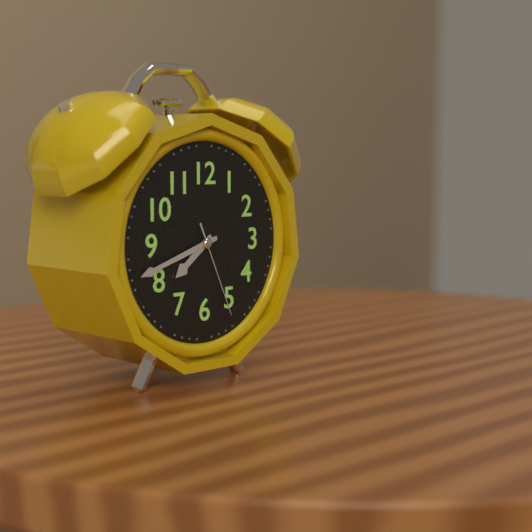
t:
7:42:26
